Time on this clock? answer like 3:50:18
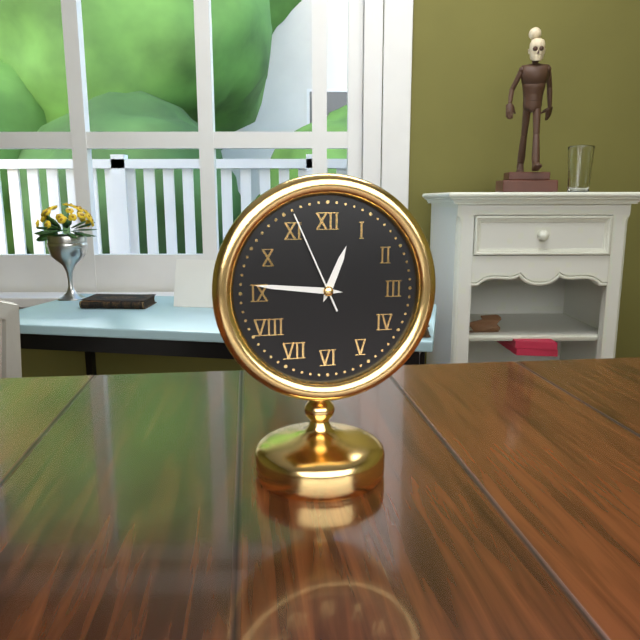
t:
12:46:56
